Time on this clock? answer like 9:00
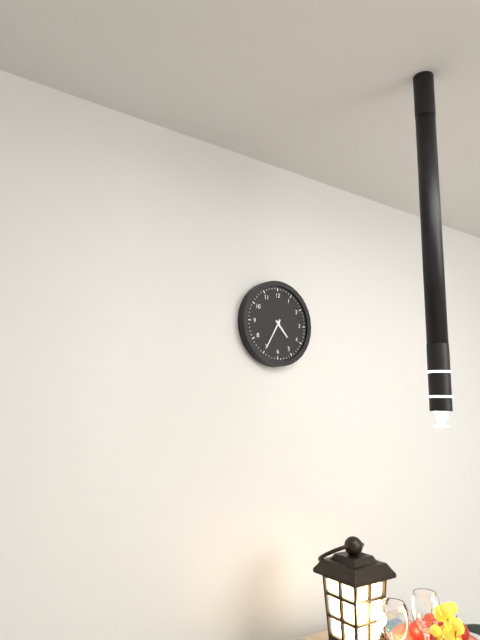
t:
4:35
